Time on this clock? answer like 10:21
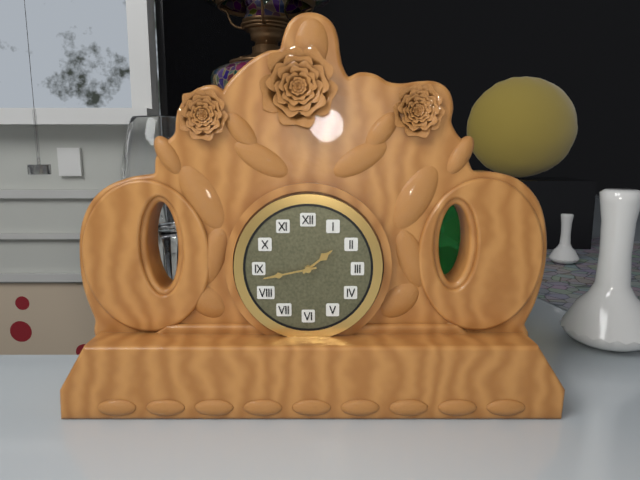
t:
1:43
